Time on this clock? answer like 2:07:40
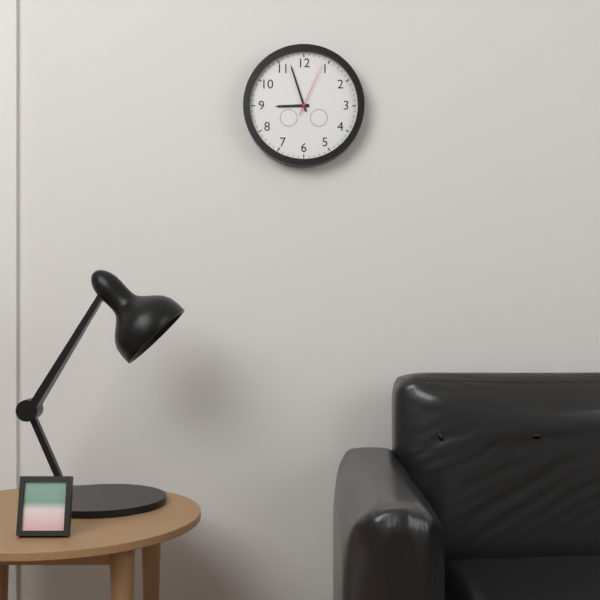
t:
8:57:04
